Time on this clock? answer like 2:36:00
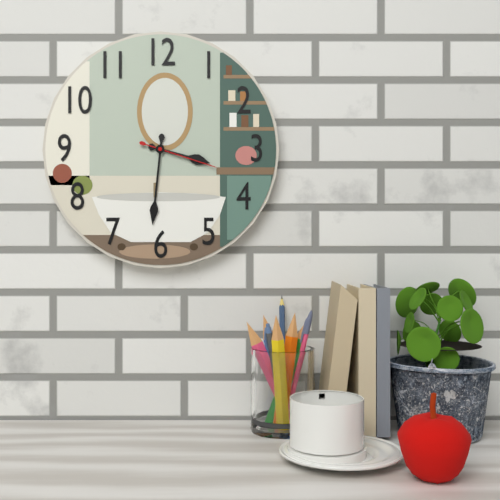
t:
3:31:18
